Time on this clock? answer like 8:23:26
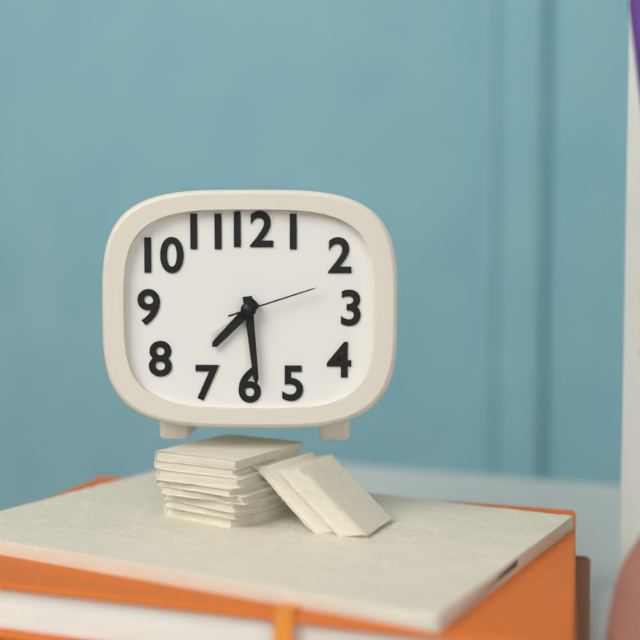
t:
7:29:12
